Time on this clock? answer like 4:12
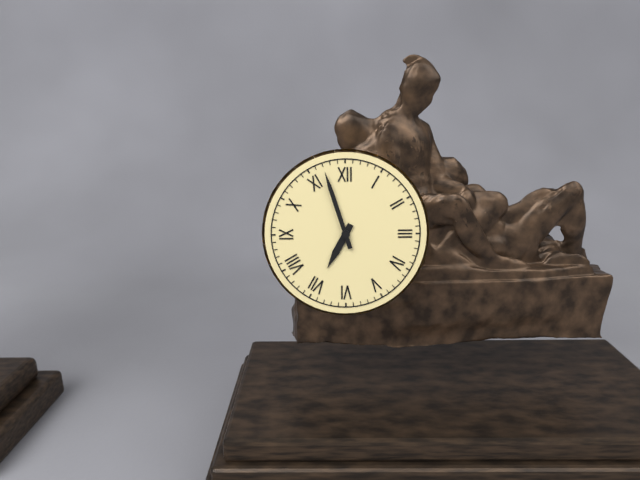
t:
6:57
